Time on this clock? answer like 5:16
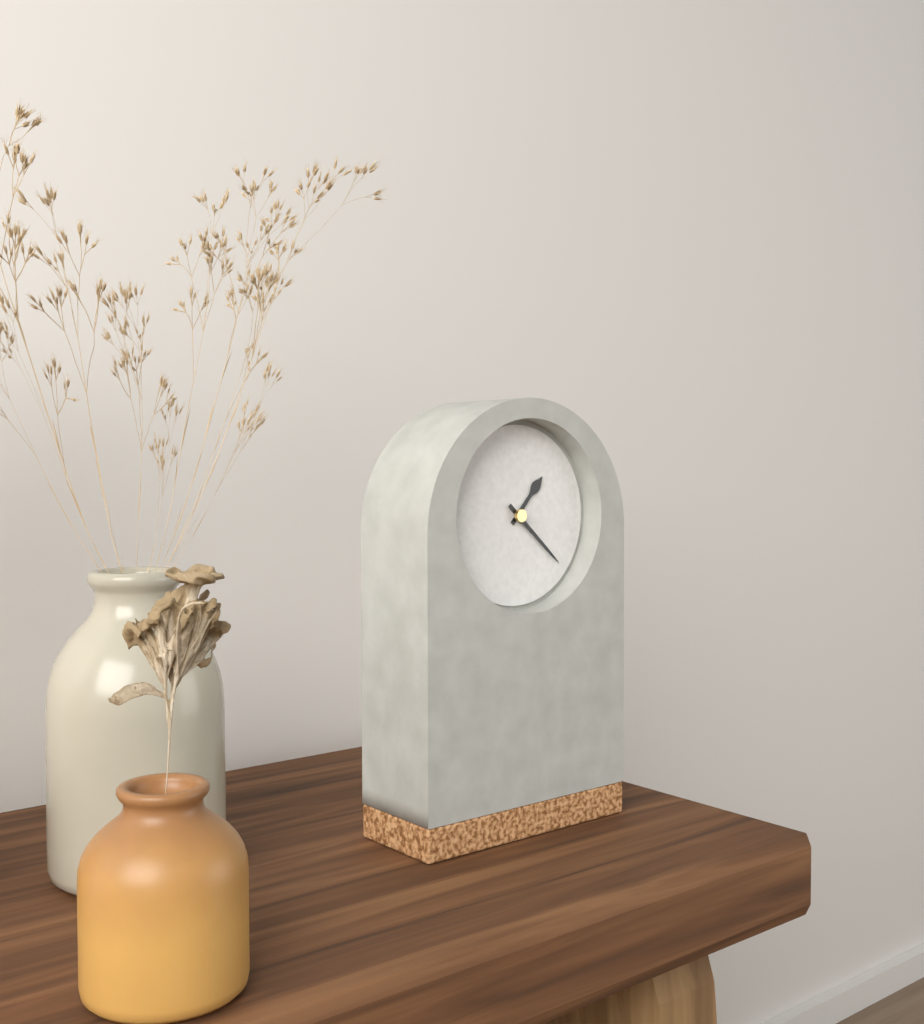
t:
1:22
